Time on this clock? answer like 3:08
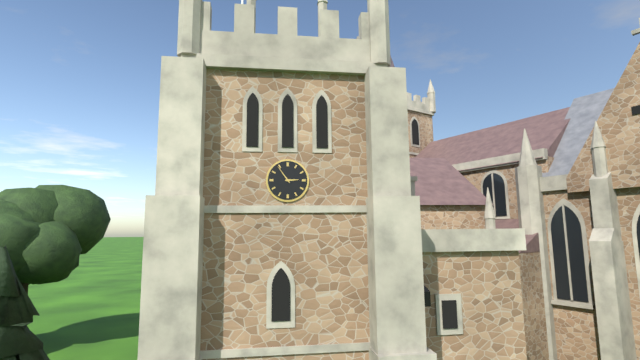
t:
2:54
